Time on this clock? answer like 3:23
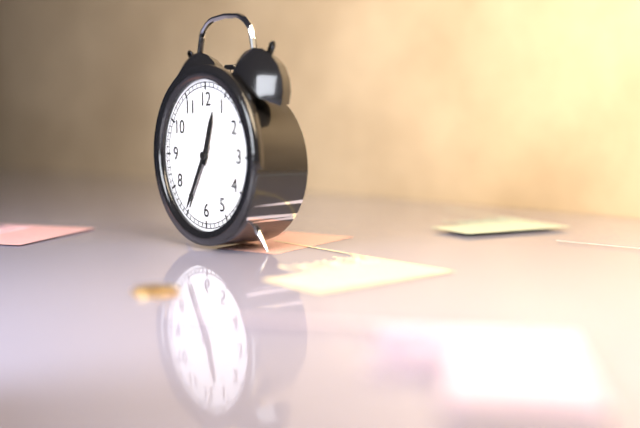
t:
12:35
